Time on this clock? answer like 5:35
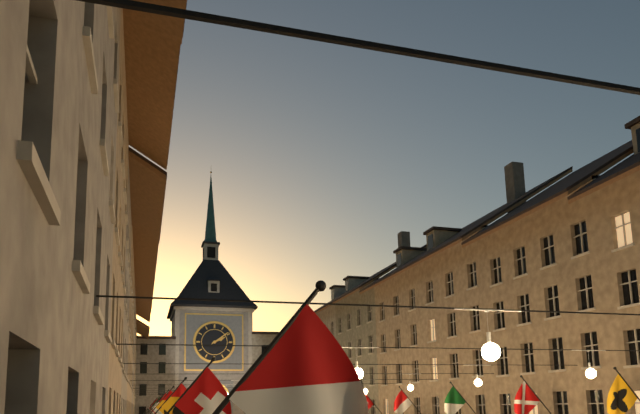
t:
2:09
